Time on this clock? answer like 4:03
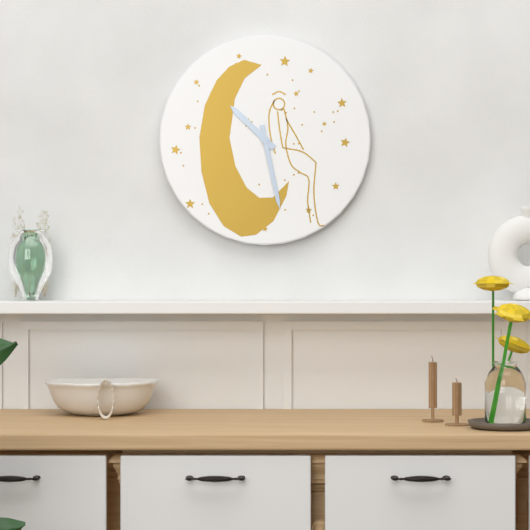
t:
10:28
